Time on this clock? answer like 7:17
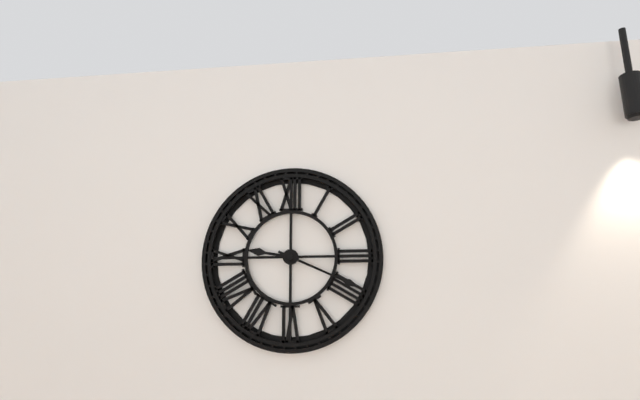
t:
9:19
